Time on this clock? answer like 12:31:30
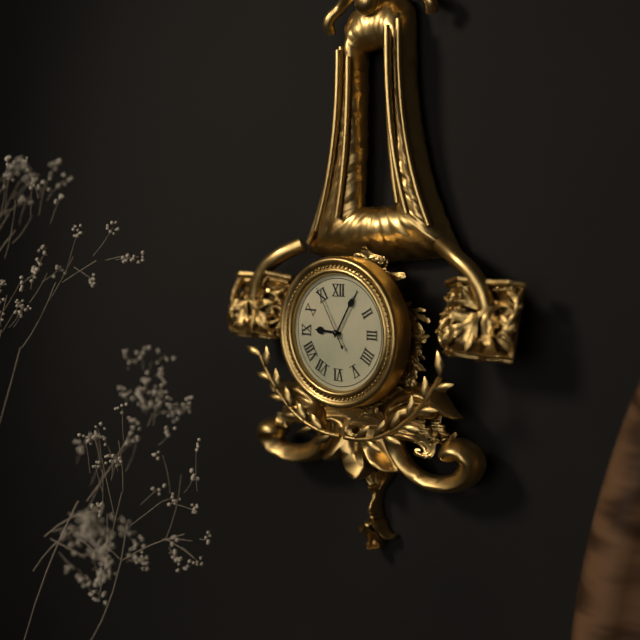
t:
9:05:55
